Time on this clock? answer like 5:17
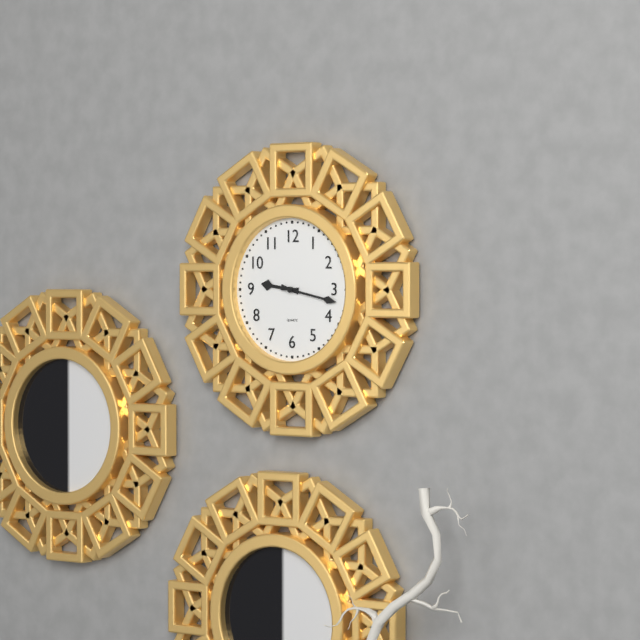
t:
9:17
